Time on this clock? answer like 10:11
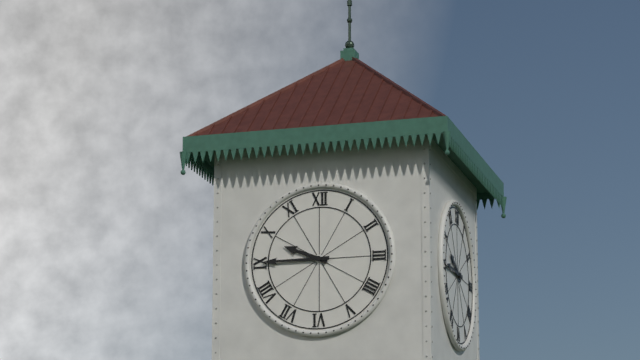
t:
9:45
